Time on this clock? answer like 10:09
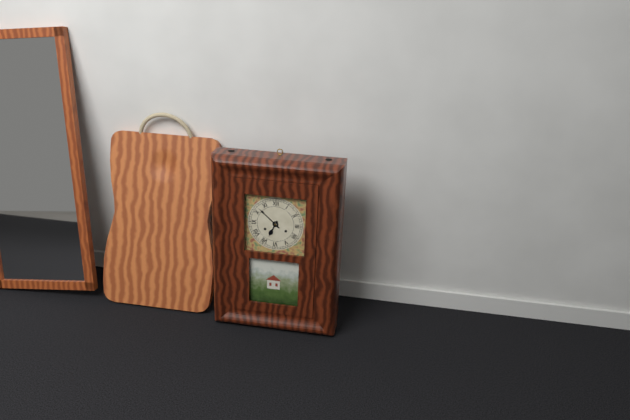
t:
6:52
